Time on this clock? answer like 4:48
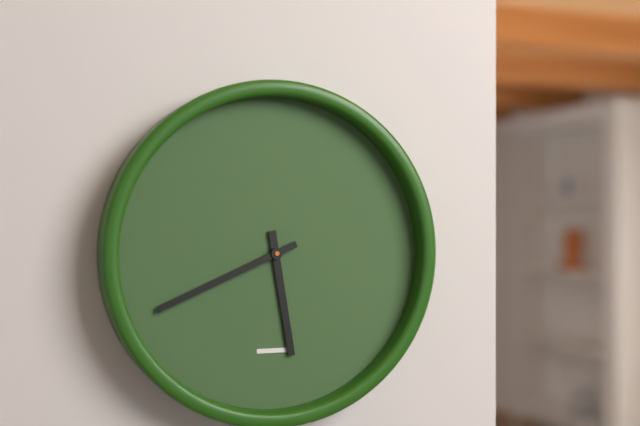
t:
5:41
